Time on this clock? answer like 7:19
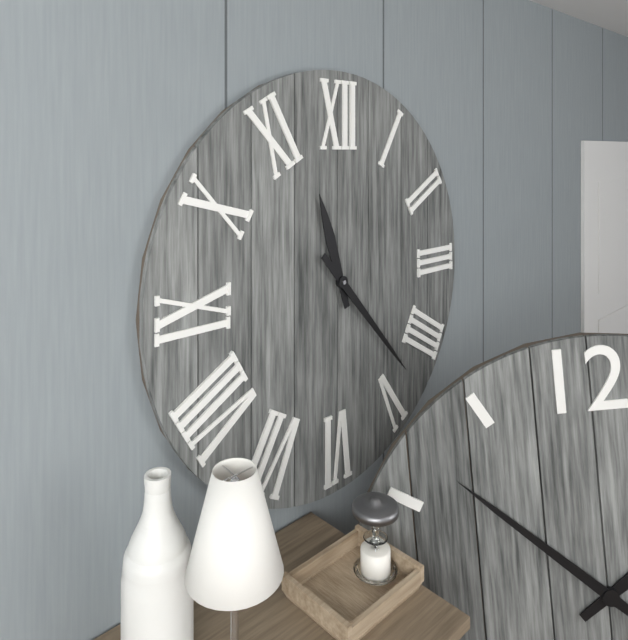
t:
11:23
